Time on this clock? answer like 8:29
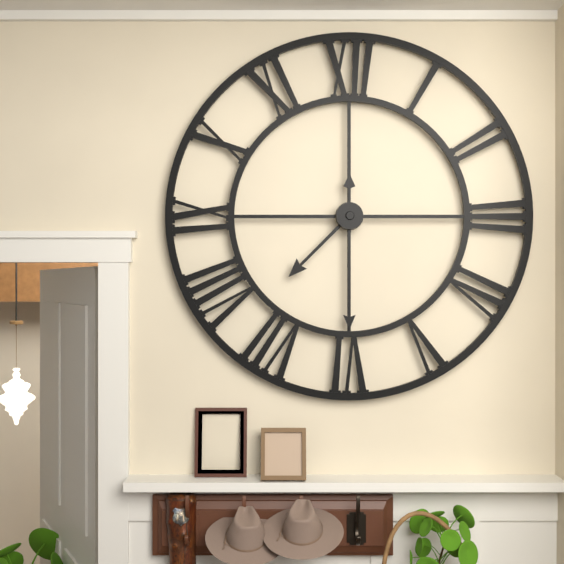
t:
7:30
